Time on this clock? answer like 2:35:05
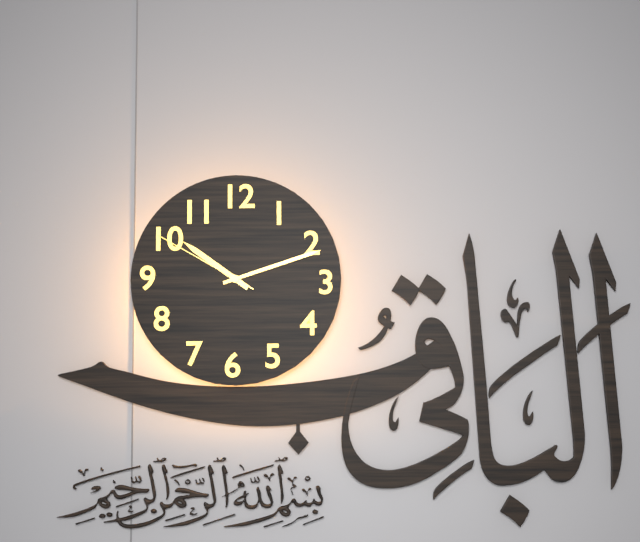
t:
10:12:50
